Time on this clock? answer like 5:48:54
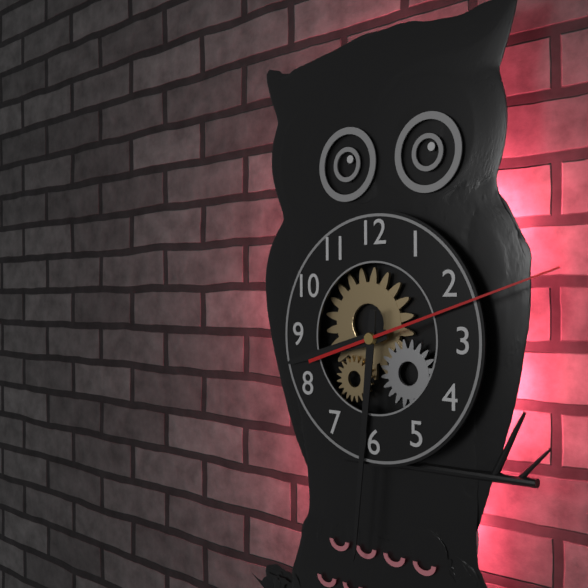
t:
8:31:12
